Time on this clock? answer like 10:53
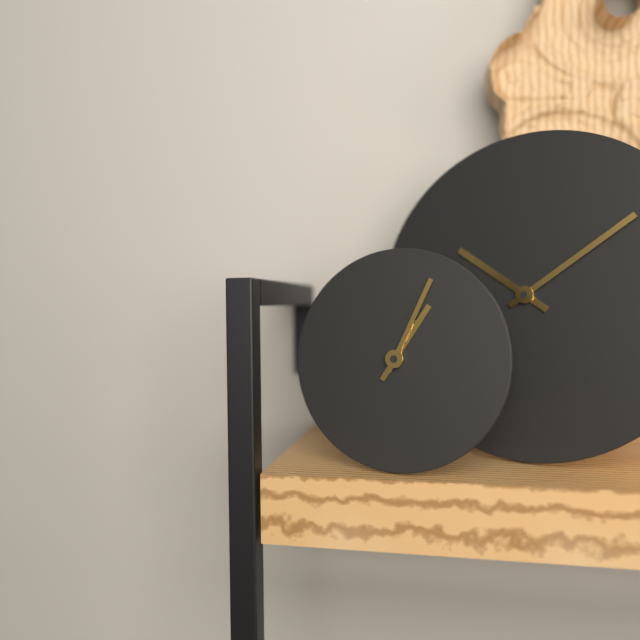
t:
1:04
